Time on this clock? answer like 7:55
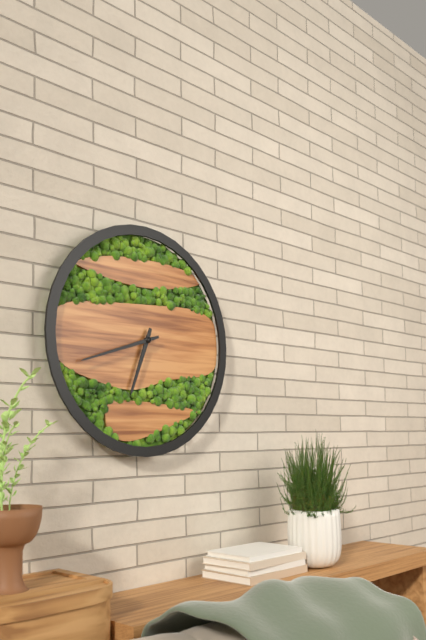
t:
6:42
